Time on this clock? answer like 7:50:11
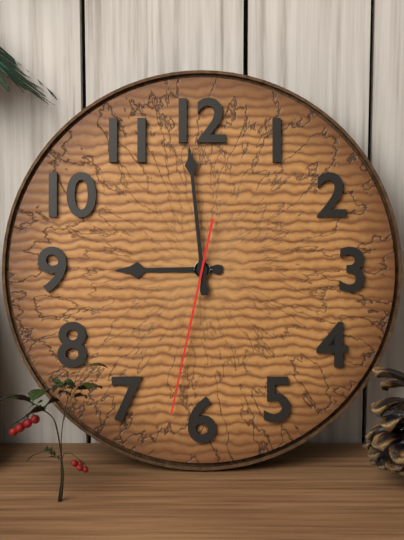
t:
8:59:32
